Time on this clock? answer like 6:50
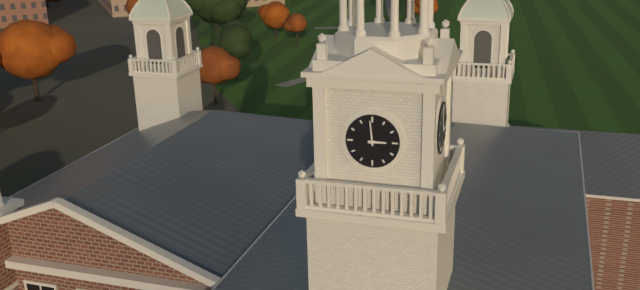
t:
2:59
